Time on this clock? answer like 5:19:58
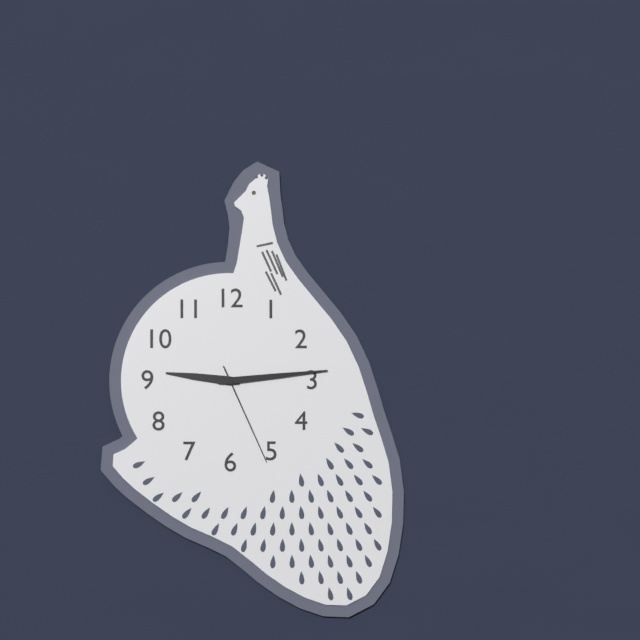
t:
9:14:26
